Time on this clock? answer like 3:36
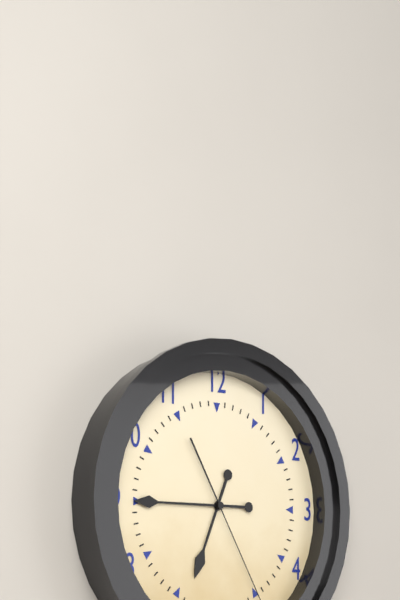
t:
6:45
